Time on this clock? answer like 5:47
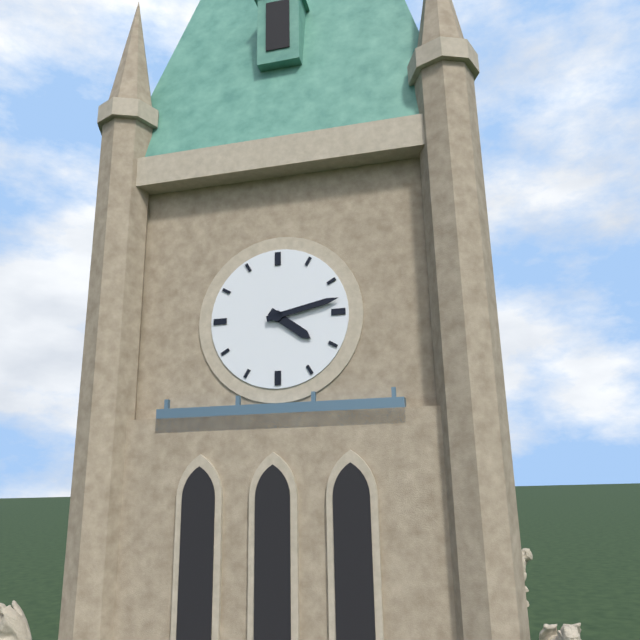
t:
4:13
